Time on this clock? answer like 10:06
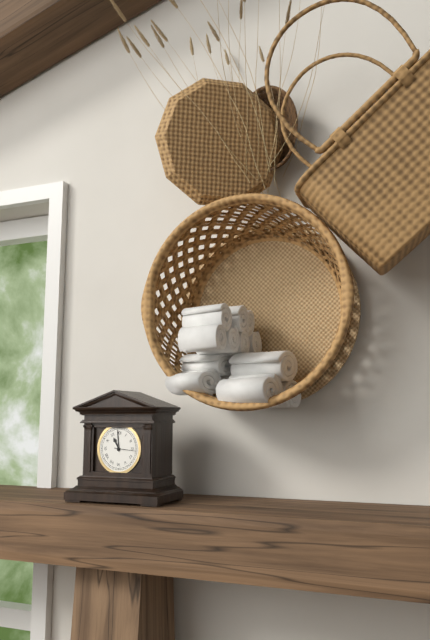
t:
10:59
